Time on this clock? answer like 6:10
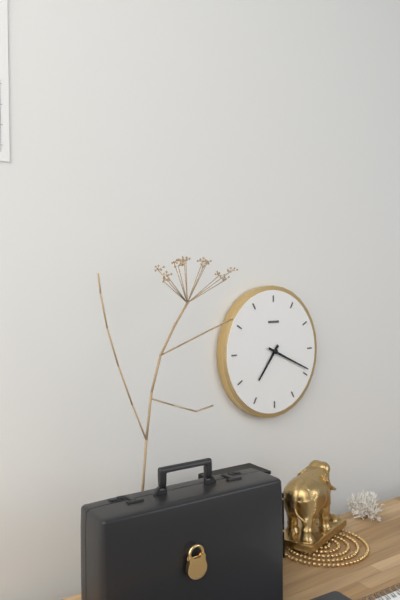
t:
7:19
